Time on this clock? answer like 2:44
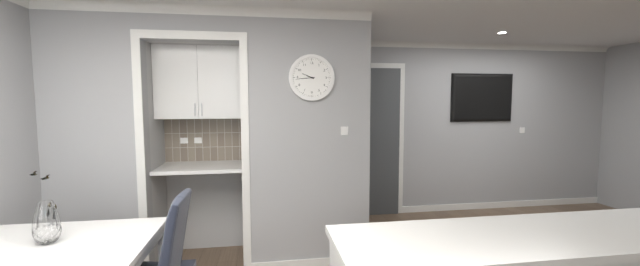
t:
9:44
